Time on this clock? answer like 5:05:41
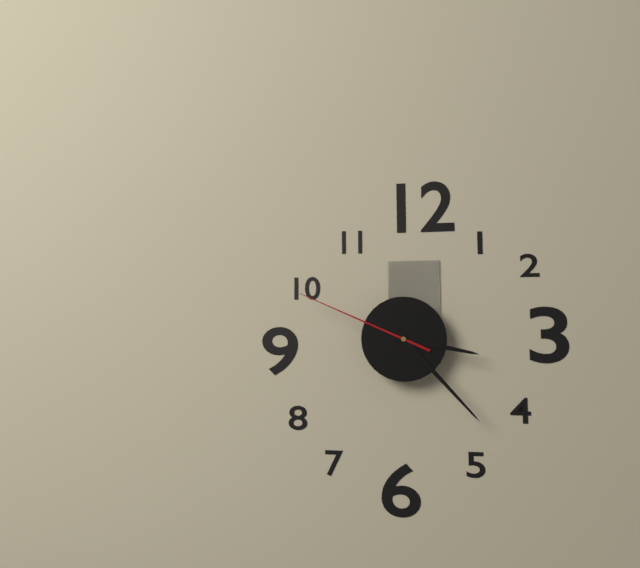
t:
3:23:49
